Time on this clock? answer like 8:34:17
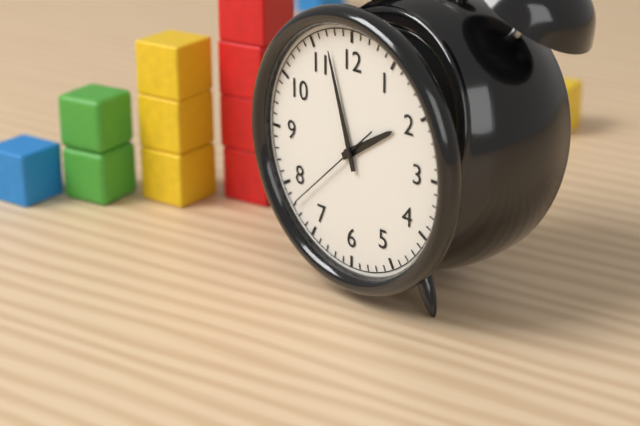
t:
1:57:38
